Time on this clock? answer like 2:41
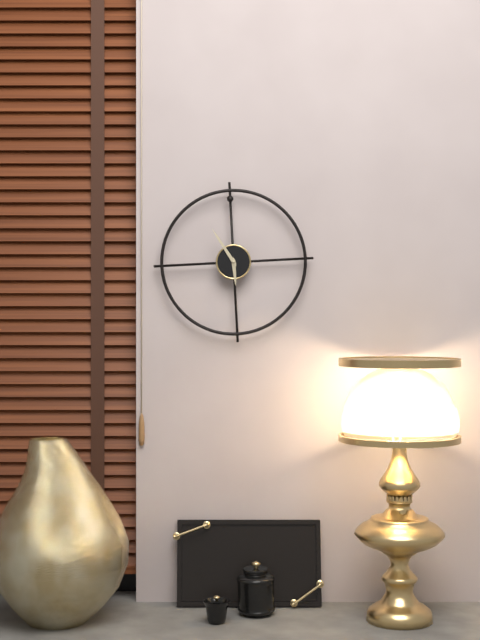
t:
5:55
